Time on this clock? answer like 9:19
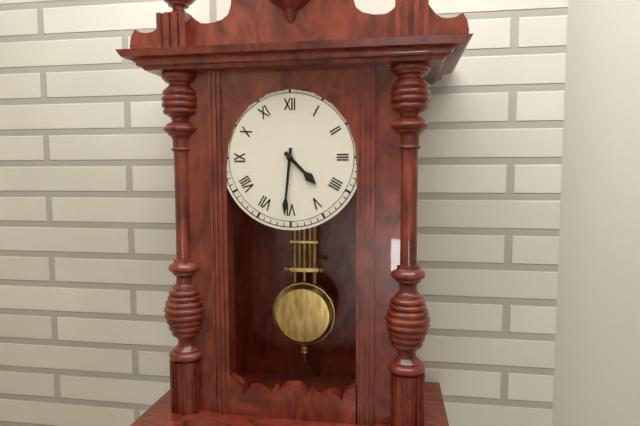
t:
4:31
